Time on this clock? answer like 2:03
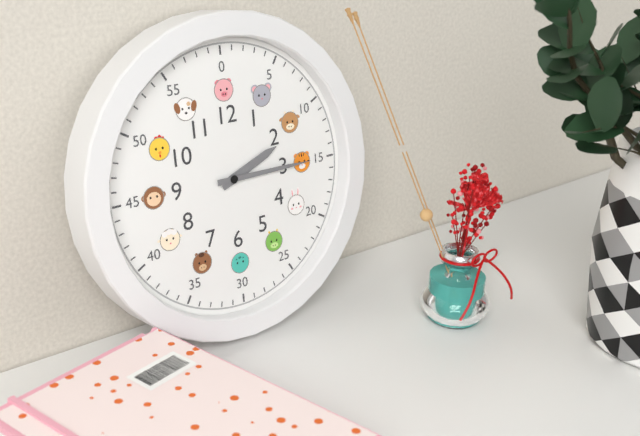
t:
2:15
